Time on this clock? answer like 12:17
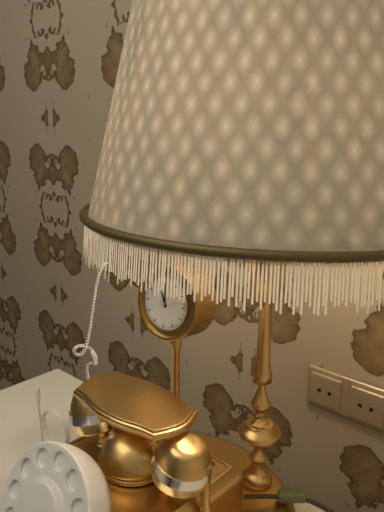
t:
10:59
